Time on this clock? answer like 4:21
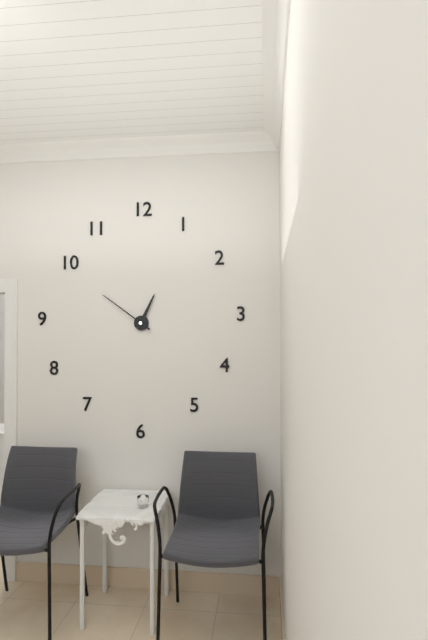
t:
12:51
